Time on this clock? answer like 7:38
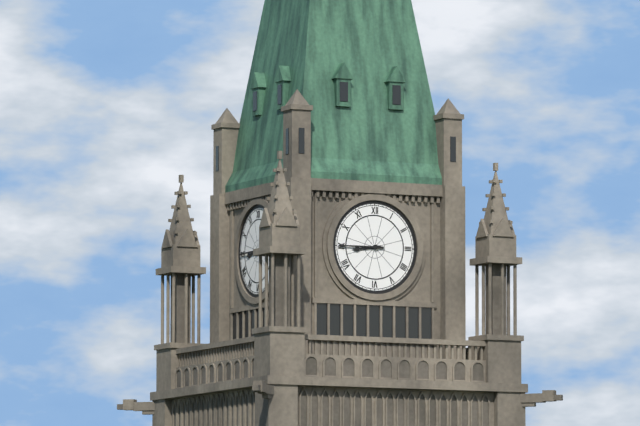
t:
8:45
